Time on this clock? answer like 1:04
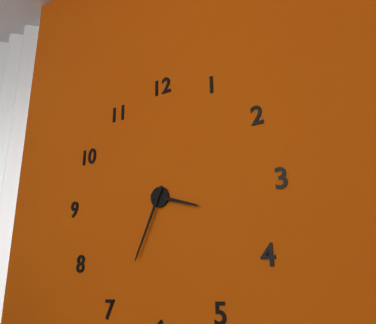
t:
3:34
